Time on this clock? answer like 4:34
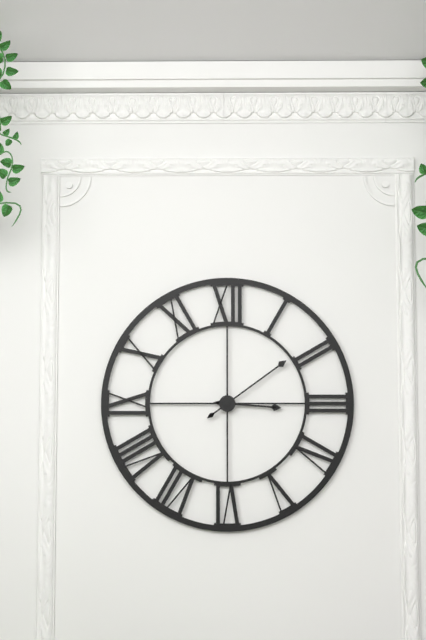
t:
3:09
